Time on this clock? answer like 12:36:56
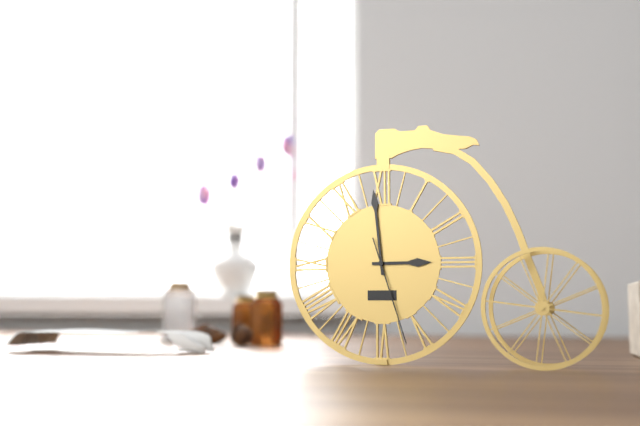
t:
2:59:27
